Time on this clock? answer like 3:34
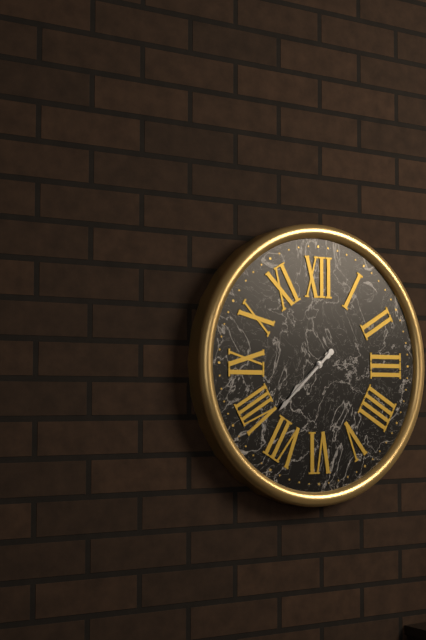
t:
7:38
